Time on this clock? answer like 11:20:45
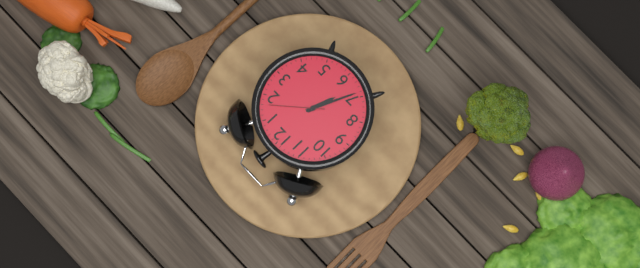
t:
6:34:08
